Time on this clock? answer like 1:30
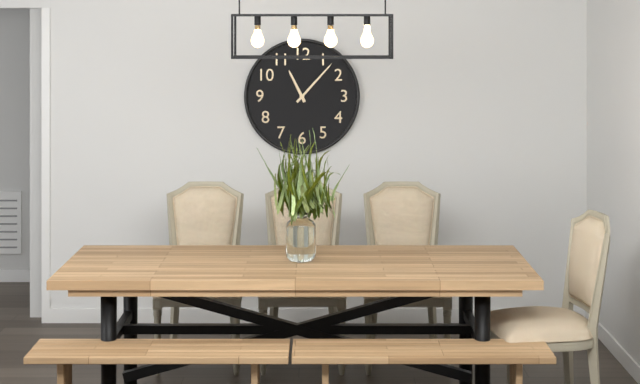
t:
11:07
